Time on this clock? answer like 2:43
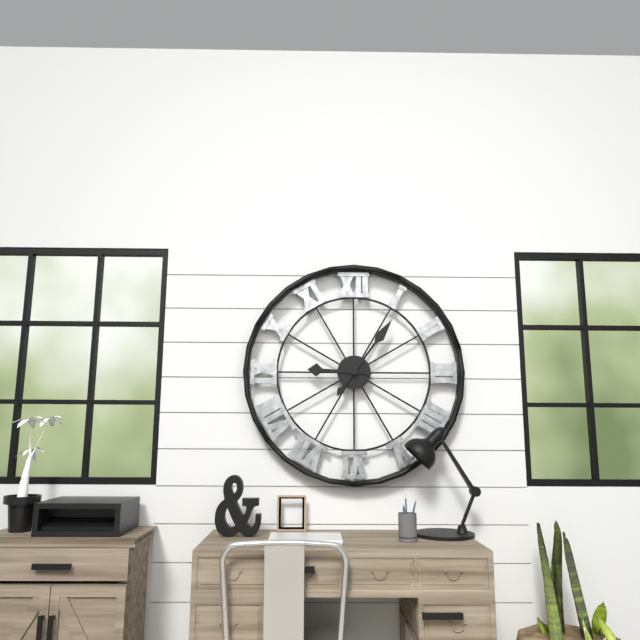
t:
9:06
